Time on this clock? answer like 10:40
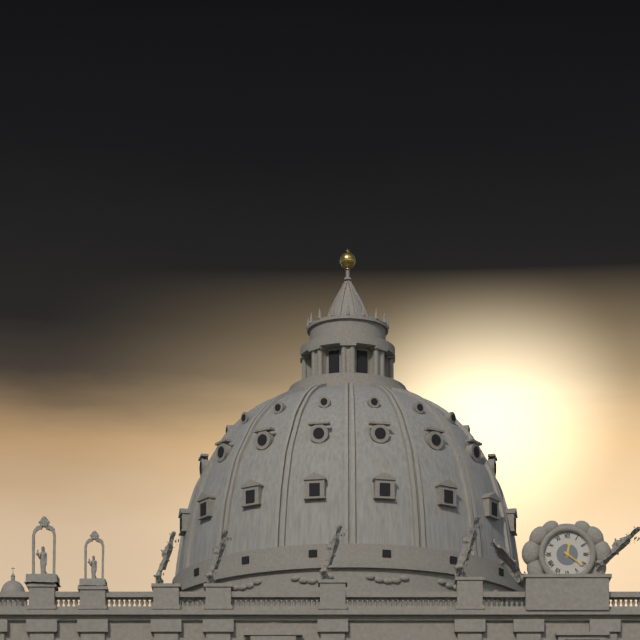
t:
12:21
